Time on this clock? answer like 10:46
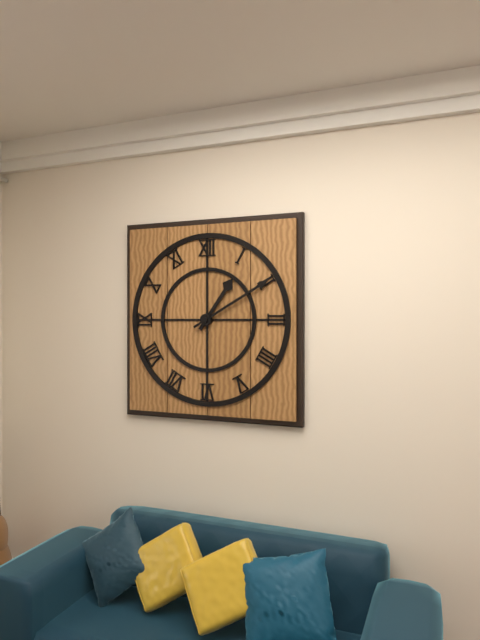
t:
1:10
